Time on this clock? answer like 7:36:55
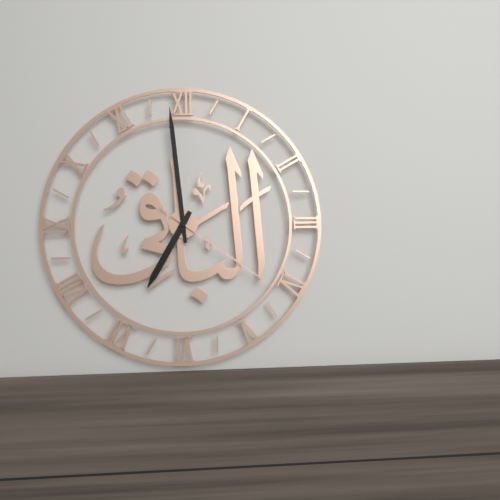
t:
6:59:21
